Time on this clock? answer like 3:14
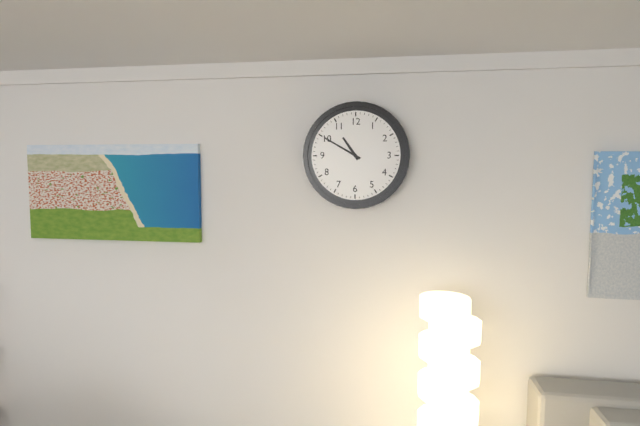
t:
10:50
